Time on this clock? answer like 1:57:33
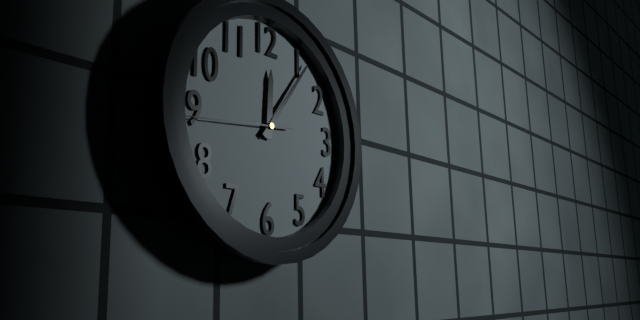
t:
12:06:44
